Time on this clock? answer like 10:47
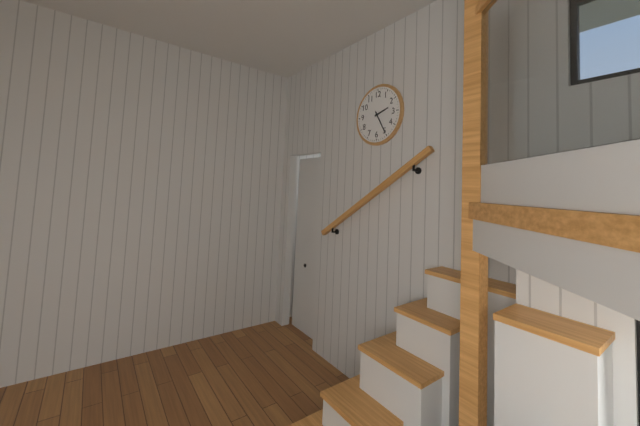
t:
2:25
